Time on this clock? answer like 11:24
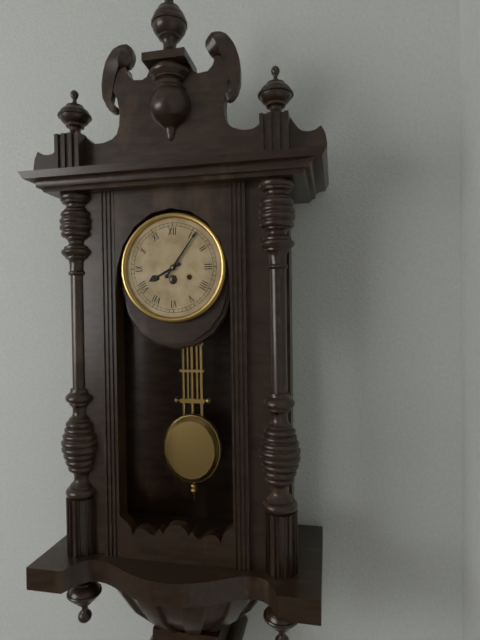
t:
8:06
